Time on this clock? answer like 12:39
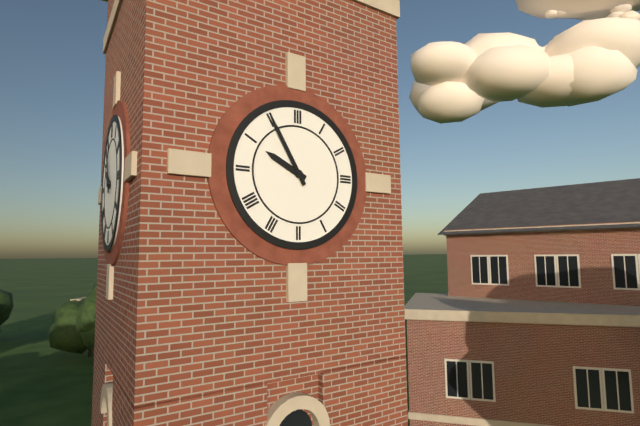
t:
9:55
